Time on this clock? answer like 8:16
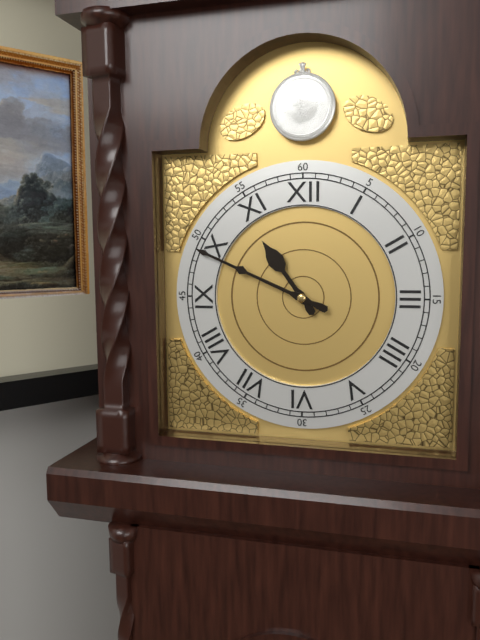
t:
10:49
